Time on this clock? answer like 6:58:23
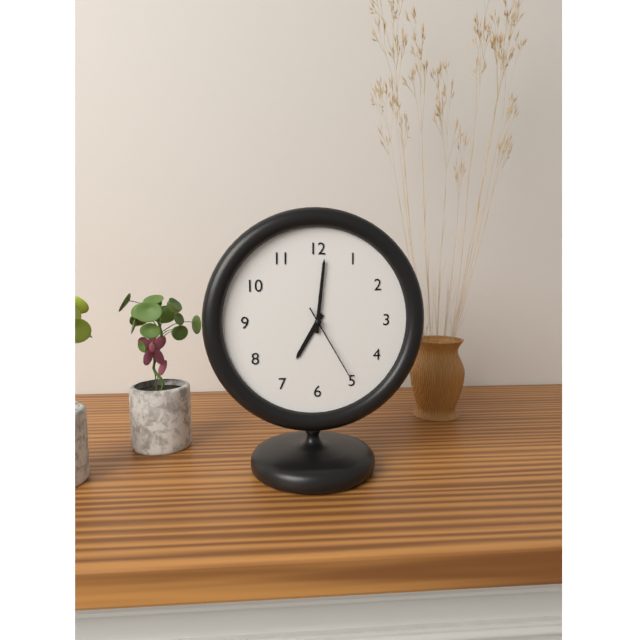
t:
7:01:25
